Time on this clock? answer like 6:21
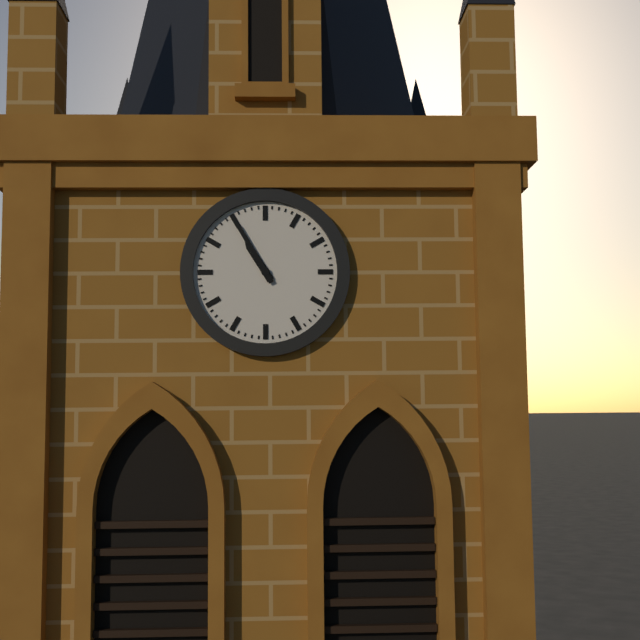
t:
10:55
